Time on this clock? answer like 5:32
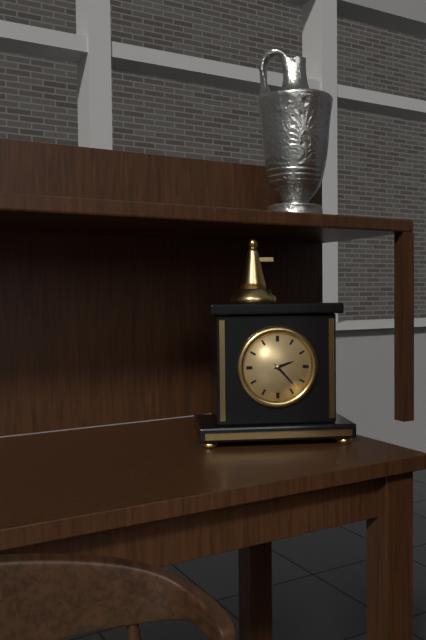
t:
2:23
